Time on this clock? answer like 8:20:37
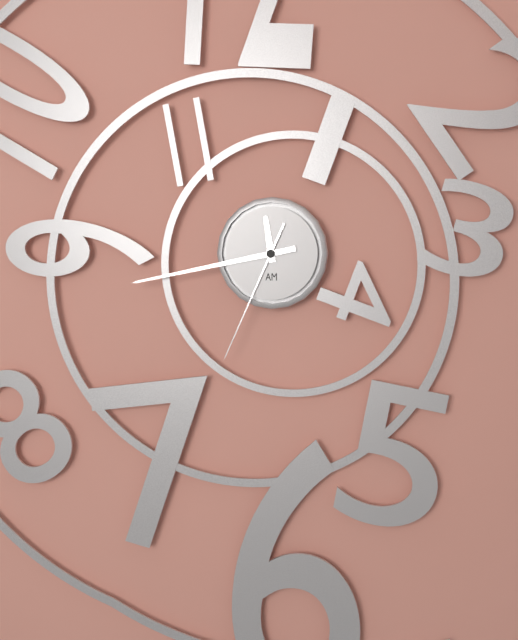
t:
11:43:34
